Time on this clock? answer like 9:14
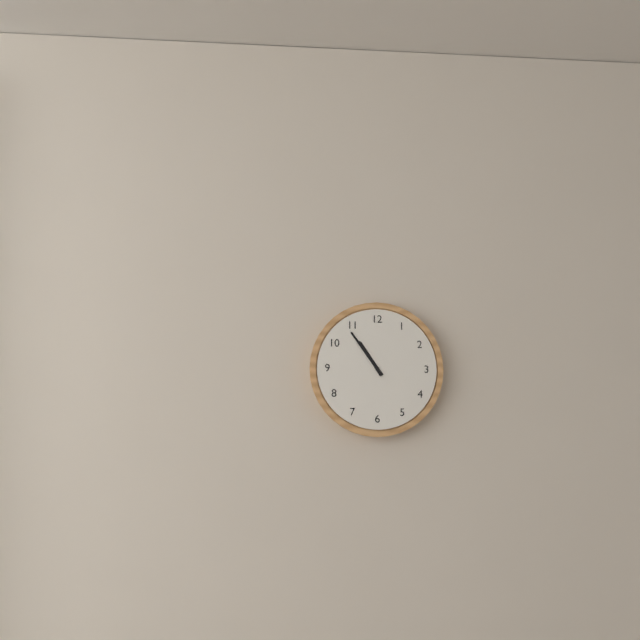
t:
10:54
